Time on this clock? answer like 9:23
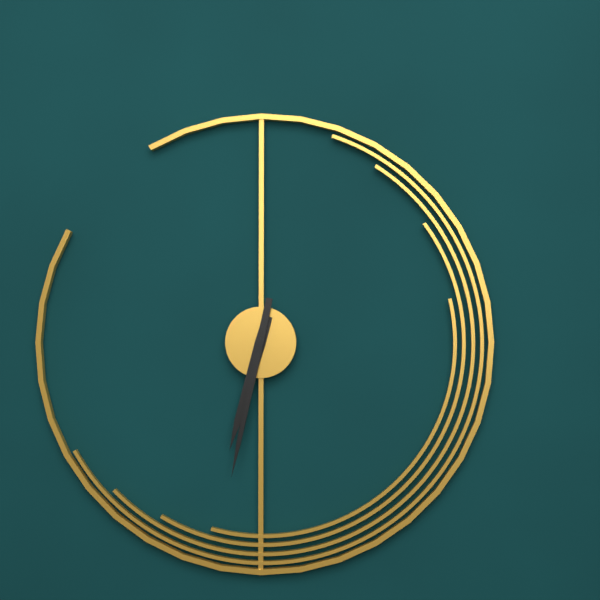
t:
6:32
